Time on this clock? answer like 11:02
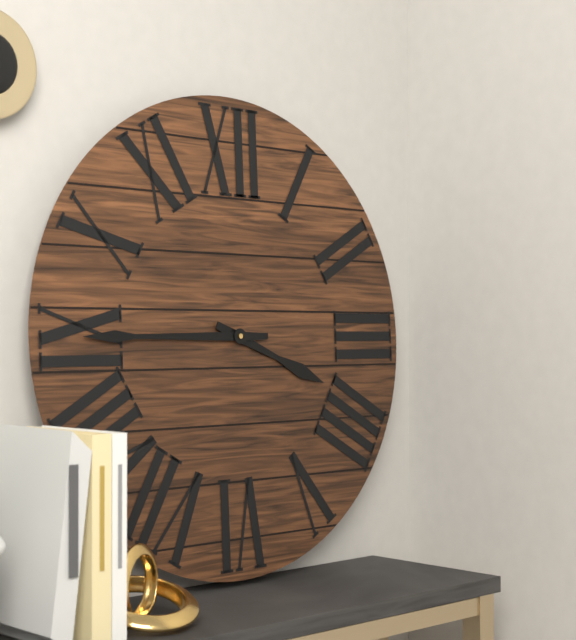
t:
3:45
